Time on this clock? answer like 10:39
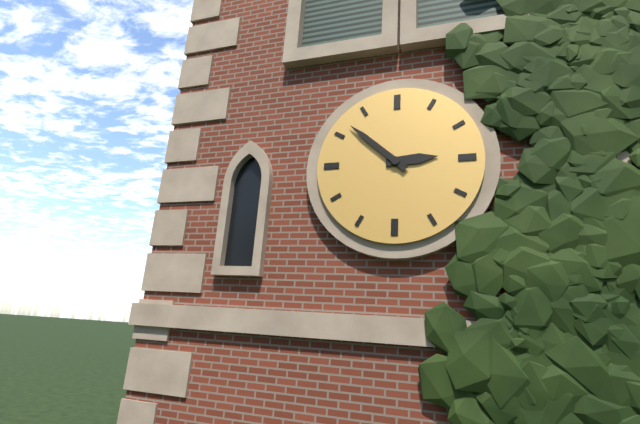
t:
2:52
